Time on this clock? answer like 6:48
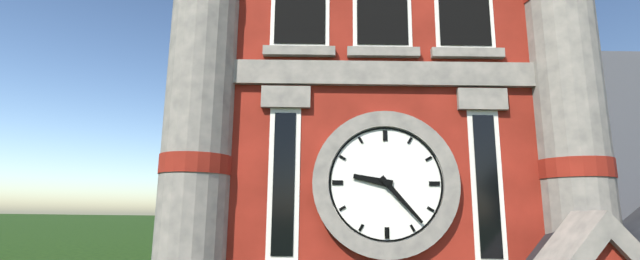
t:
9:23
